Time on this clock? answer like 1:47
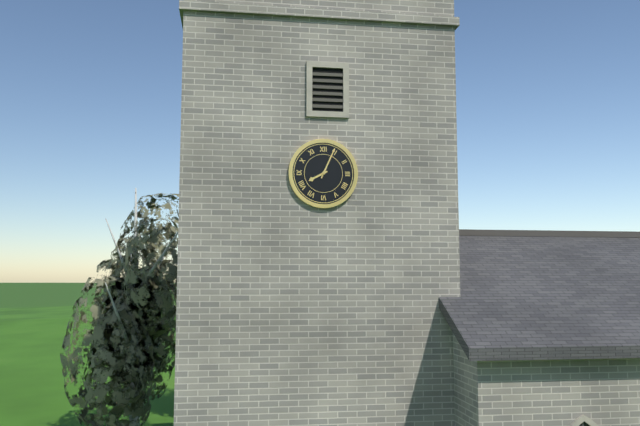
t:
8:04
